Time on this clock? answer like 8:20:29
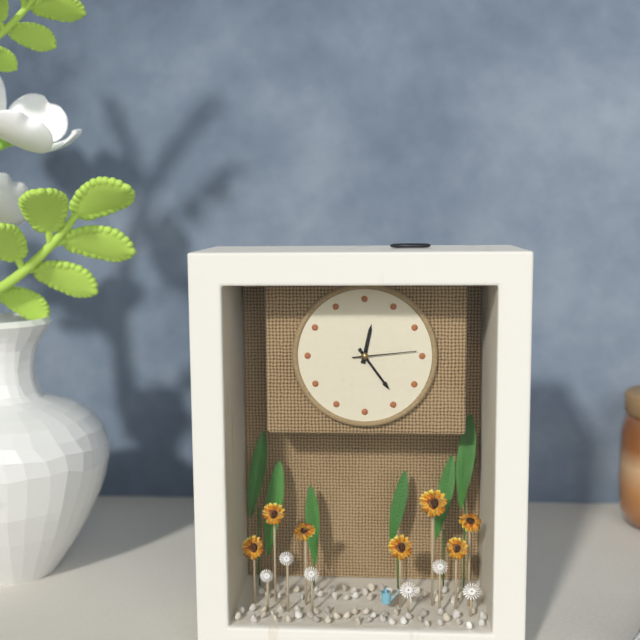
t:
12:24:14
